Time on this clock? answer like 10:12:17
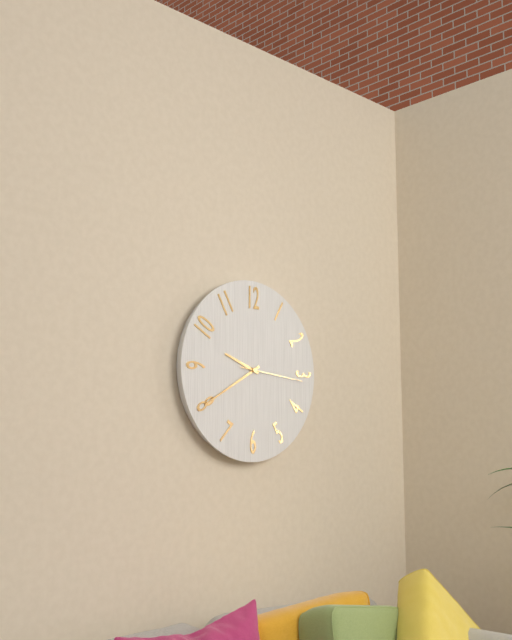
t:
9:40:16
